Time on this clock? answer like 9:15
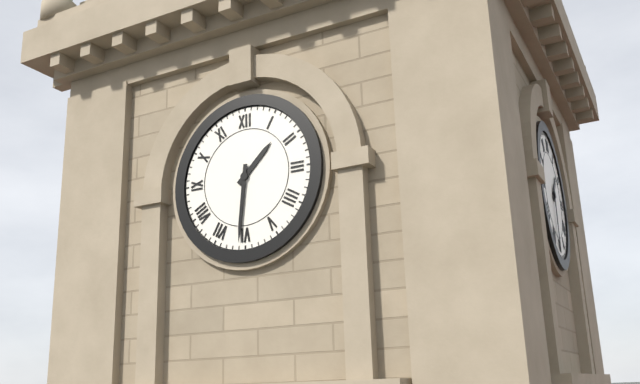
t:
1:31
